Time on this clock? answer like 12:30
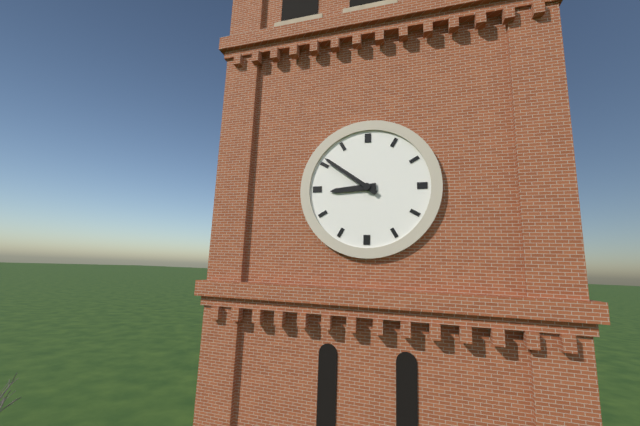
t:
8:51
